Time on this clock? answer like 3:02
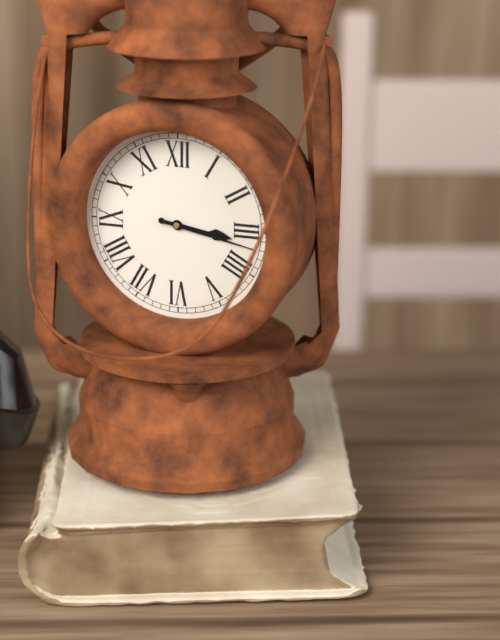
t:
3:17
